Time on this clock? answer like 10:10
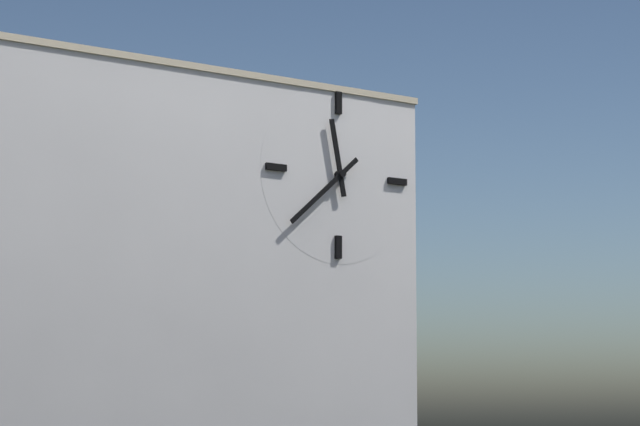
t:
11:38
